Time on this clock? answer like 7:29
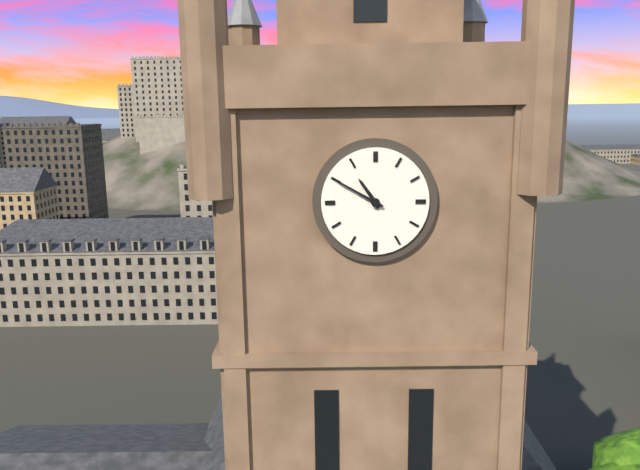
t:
10:50
